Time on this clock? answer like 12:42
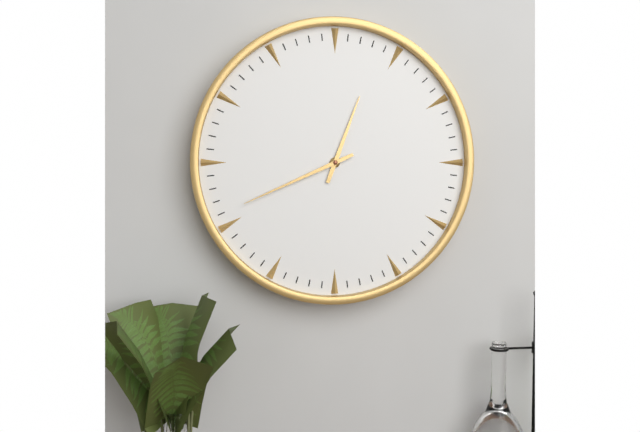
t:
12:41
